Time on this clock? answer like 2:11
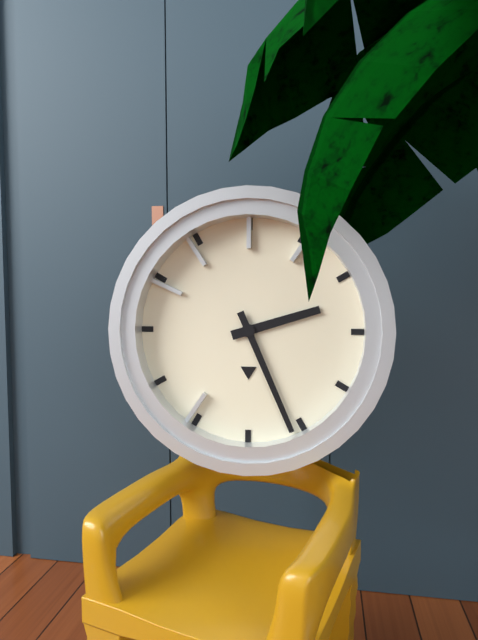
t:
2:26
